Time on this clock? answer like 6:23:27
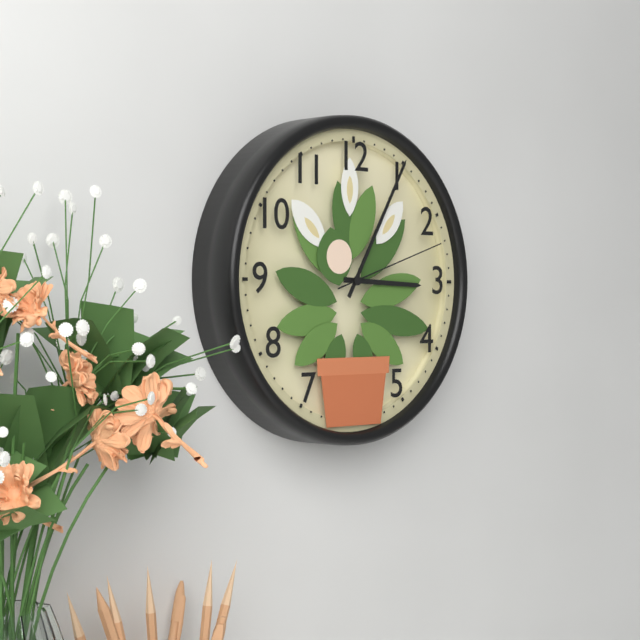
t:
3:05:12
